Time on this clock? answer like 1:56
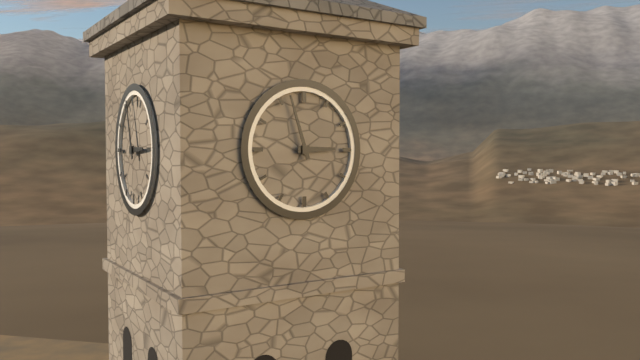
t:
2:57
